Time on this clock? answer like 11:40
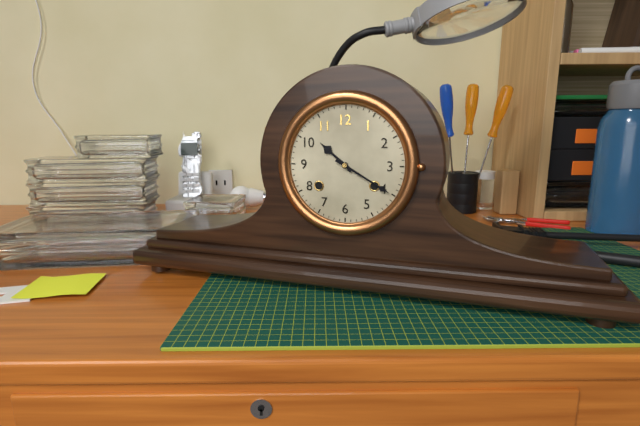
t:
10:20
